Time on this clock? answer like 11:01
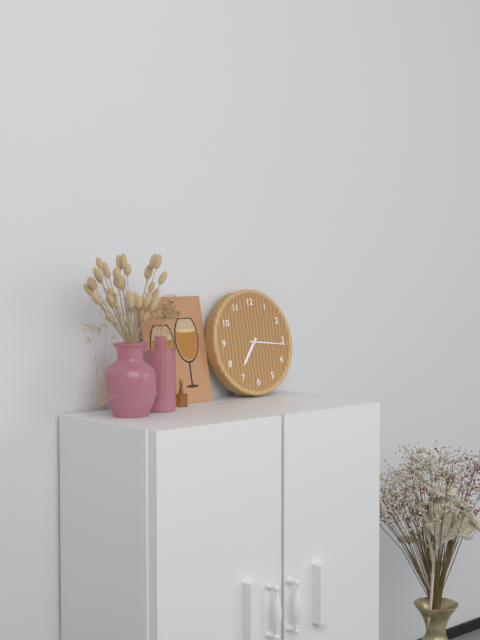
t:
7:16
